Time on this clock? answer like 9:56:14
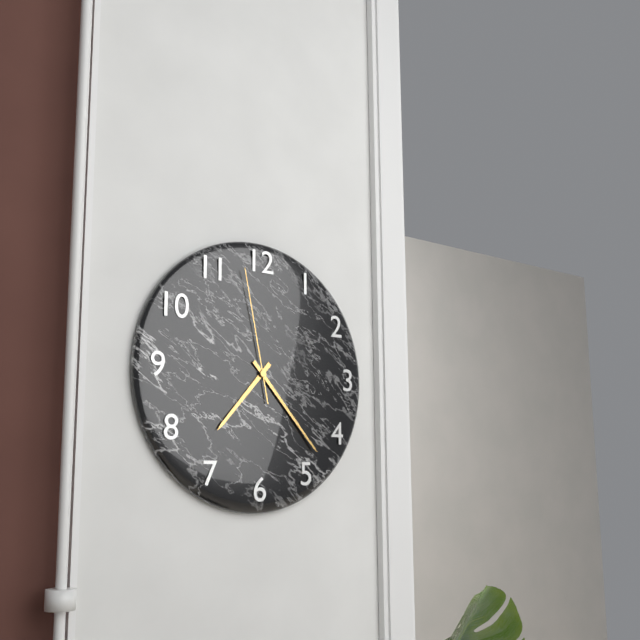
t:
7:23:58
